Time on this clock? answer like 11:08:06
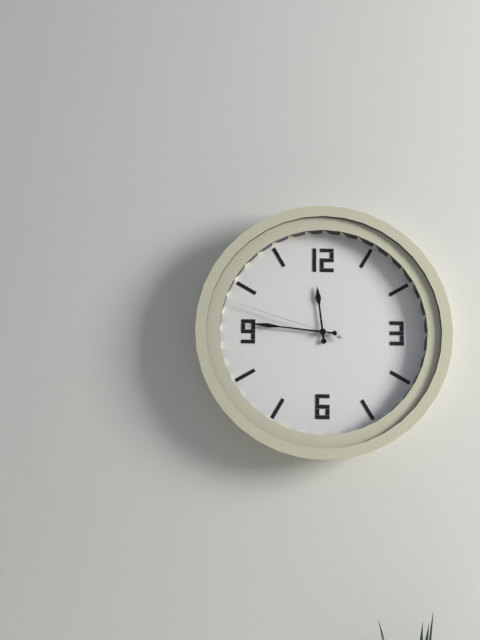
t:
11:46:48
